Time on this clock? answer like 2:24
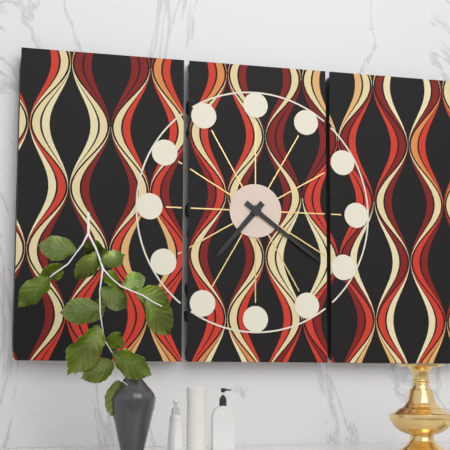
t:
7:21
